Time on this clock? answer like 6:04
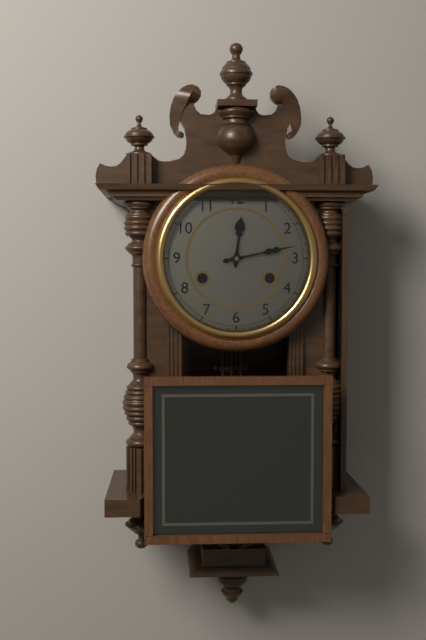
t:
12:13
